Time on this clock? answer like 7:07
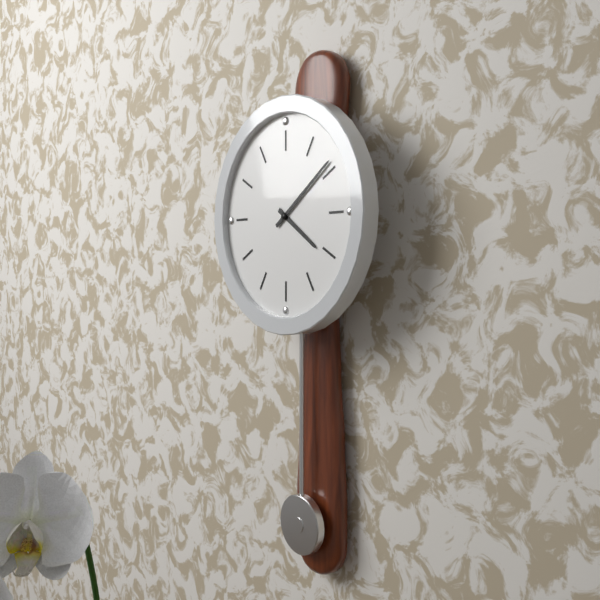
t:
4:09
